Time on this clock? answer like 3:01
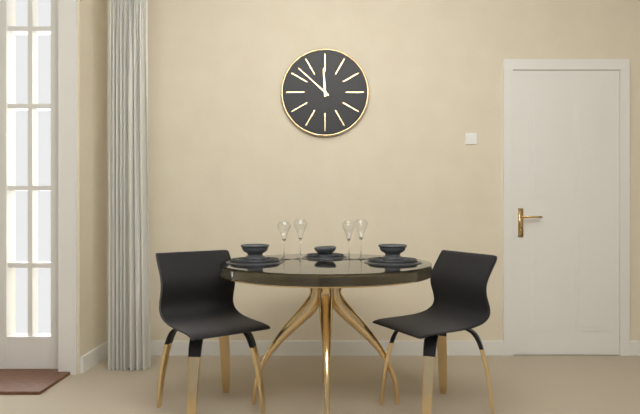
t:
11:52
